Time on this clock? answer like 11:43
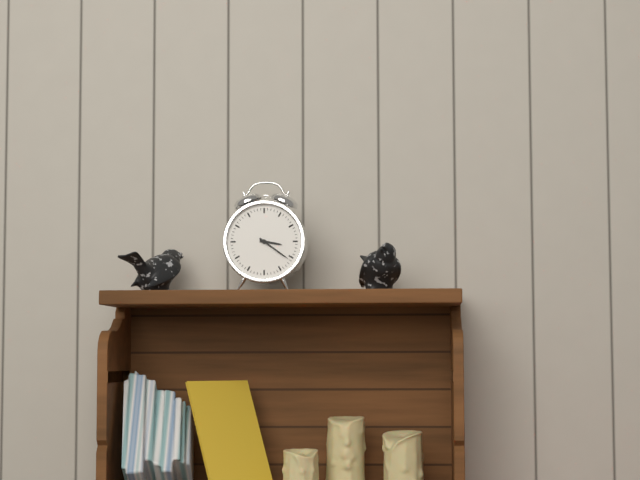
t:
3:21
